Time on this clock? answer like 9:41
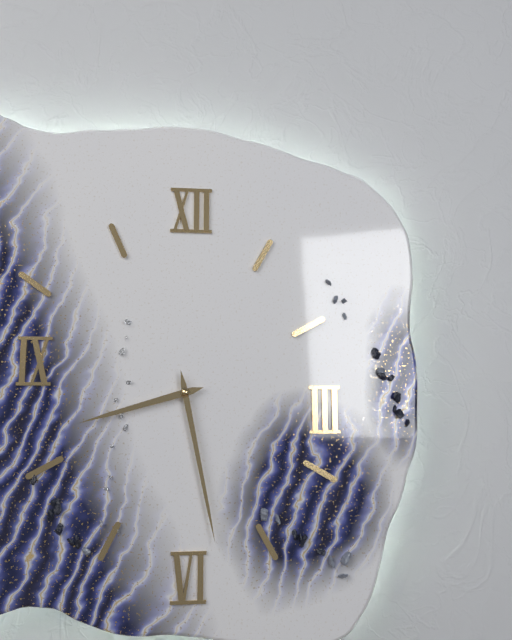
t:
8:28
